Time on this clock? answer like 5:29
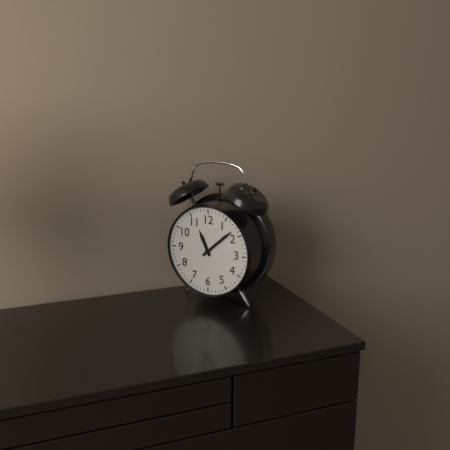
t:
11:08
